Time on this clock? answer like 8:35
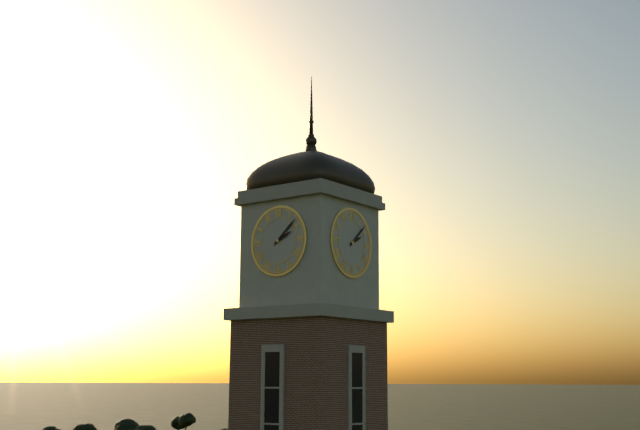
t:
2:08
